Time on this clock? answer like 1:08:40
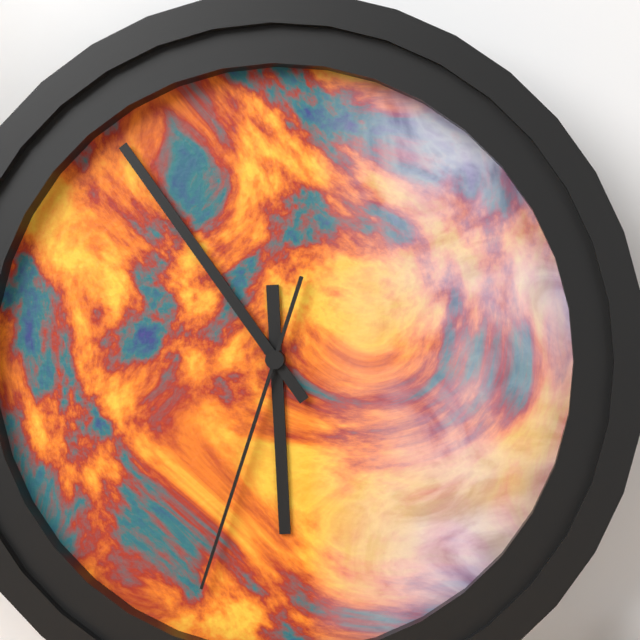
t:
5:54:33
